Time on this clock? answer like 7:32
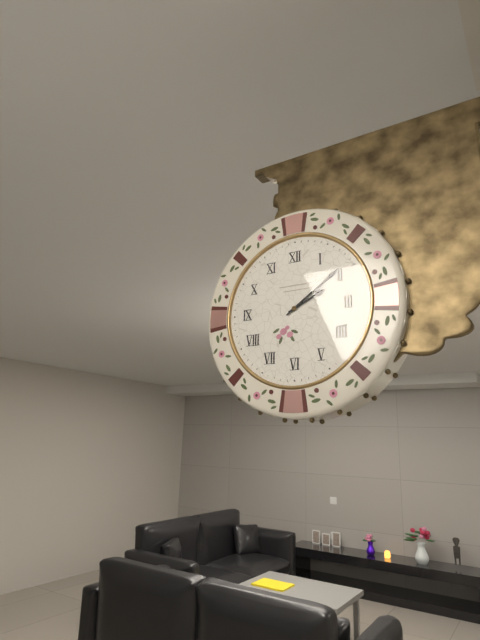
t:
2:09
